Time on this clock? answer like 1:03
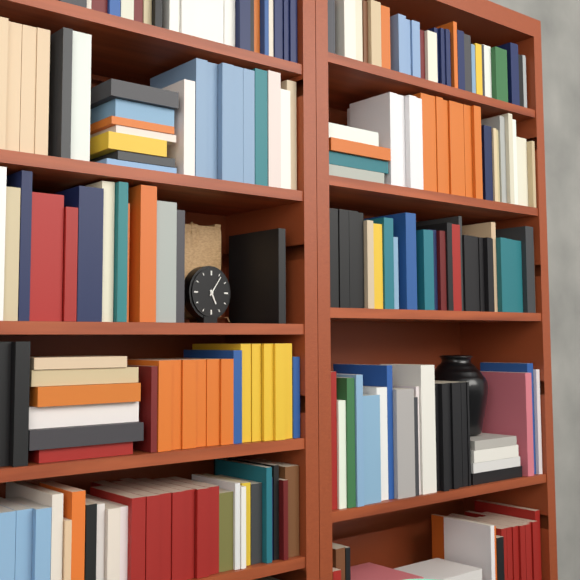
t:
5:06
